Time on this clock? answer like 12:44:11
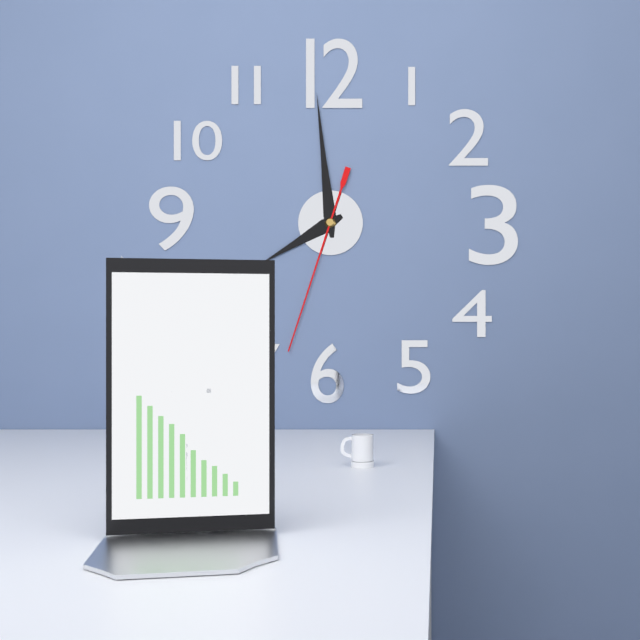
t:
7:59:33
